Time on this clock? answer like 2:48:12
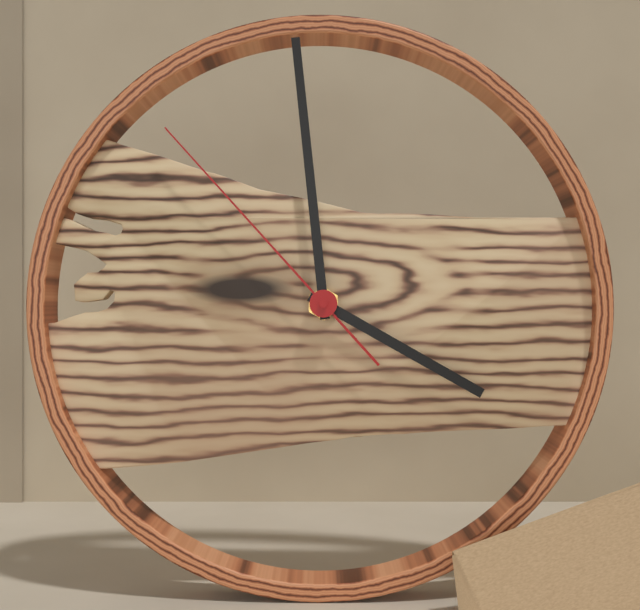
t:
3:59:53
